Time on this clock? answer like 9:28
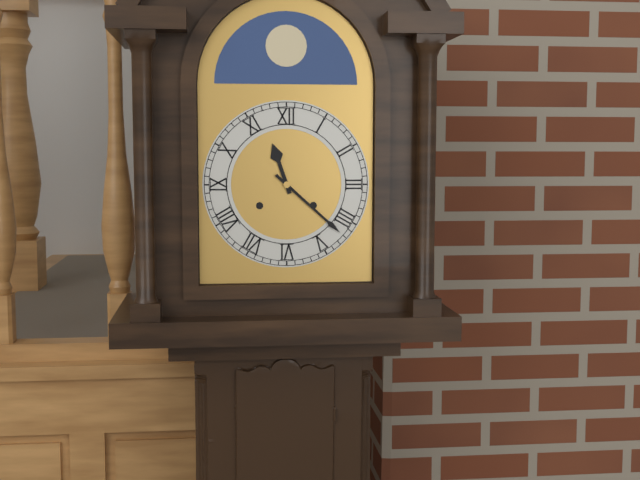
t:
11:22
